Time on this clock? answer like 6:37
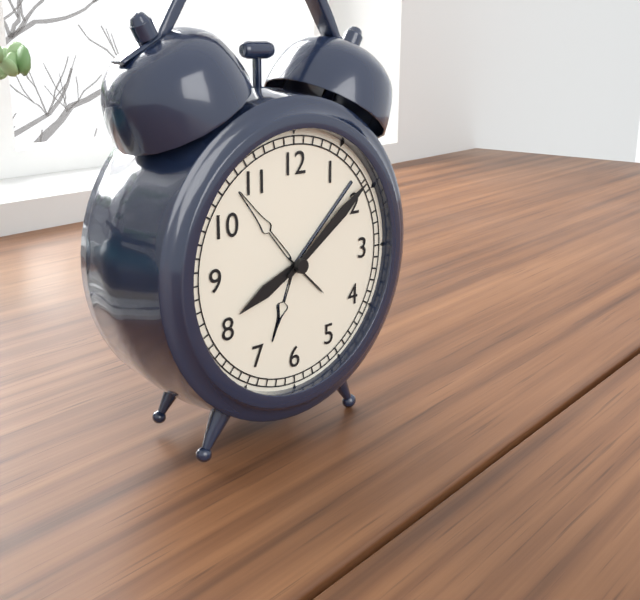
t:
8:09
